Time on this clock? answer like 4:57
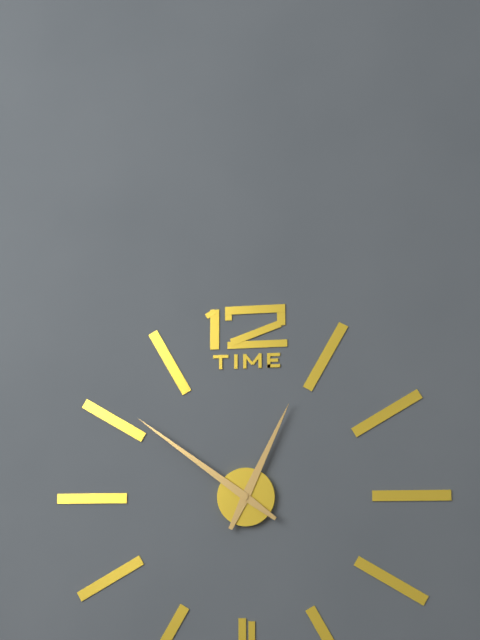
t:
12:51
